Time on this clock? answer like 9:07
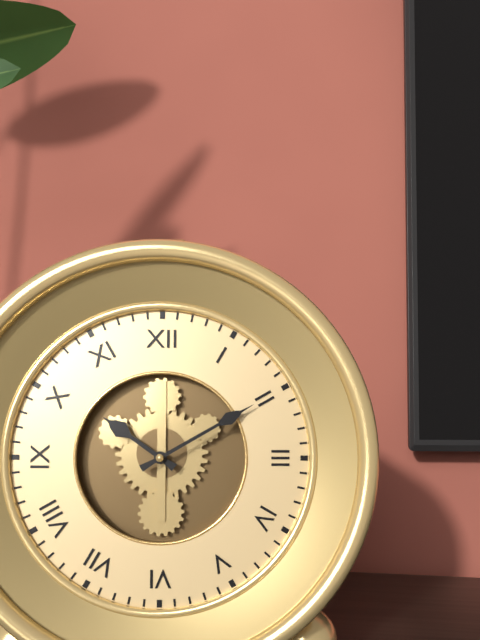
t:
10:10
